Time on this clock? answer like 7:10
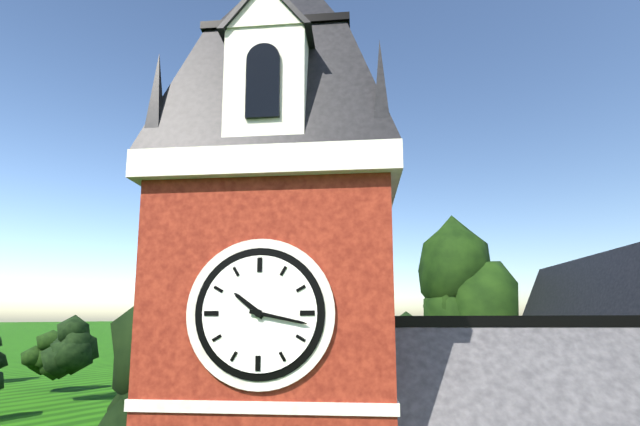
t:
10:17
